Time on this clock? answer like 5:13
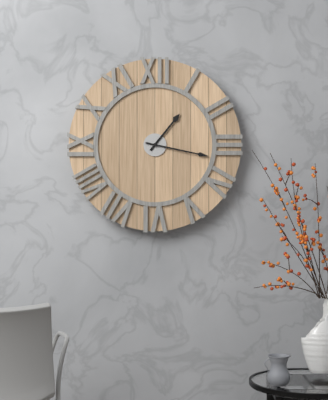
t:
1:17
